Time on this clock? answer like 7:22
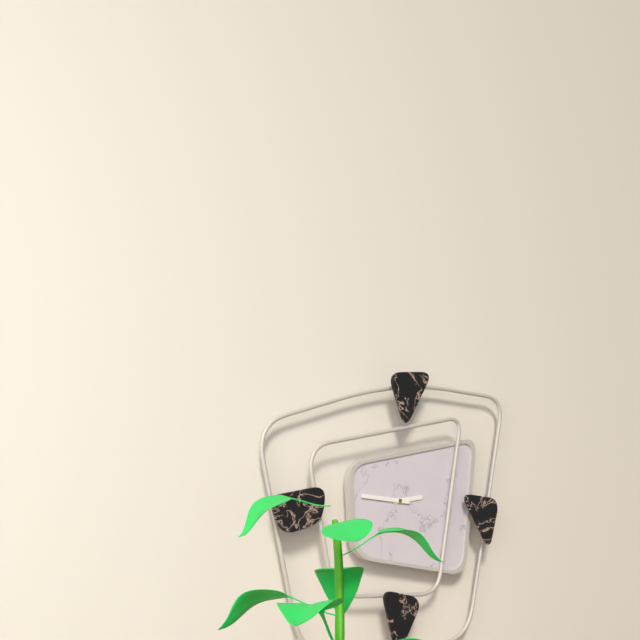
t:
2:46
